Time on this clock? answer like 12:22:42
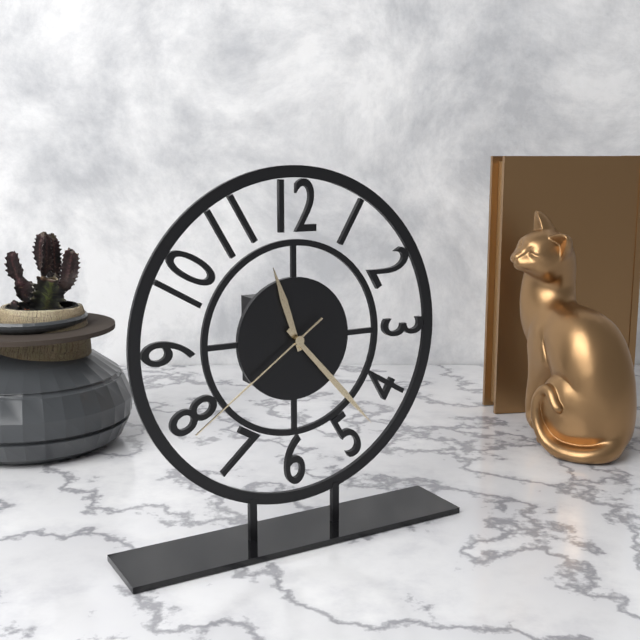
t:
11:23:39
